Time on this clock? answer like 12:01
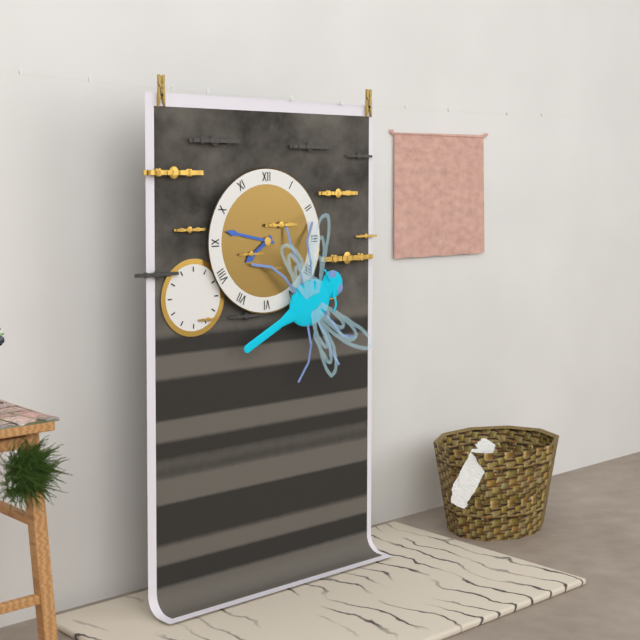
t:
7:47
